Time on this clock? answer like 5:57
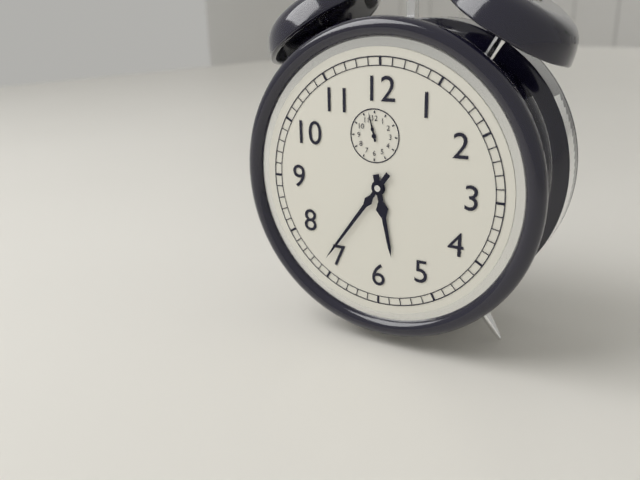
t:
5:36
